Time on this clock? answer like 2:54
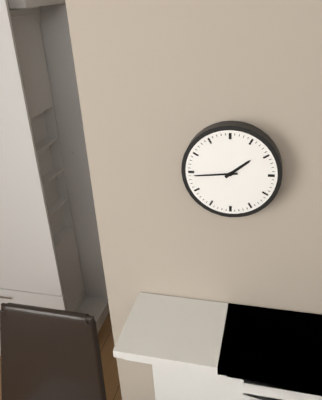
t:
1:44
